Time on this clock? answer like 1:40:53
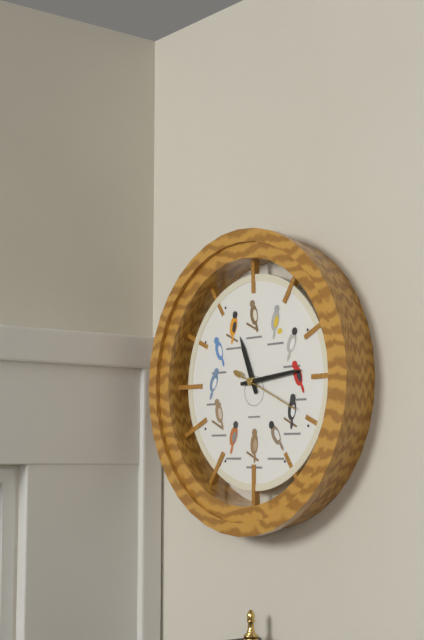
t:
11:14:19
